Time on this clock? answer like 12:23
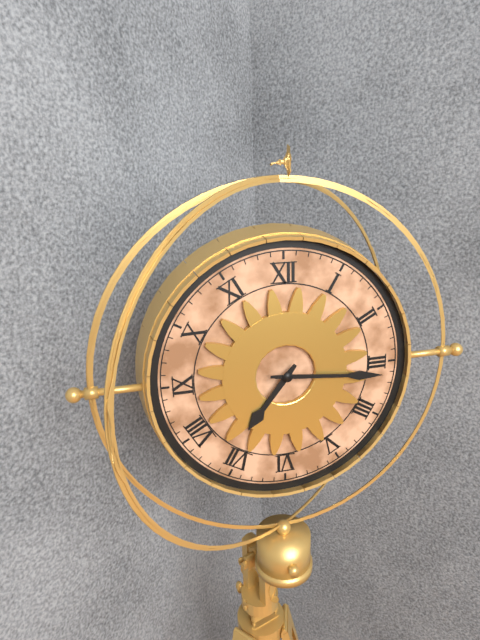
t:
7:16
